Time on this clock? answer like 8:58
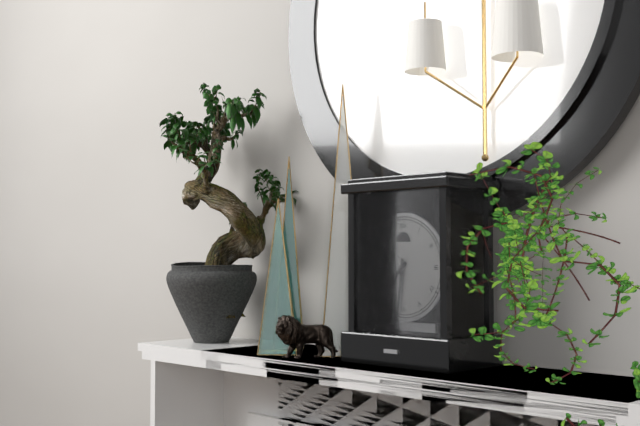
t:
7:31
